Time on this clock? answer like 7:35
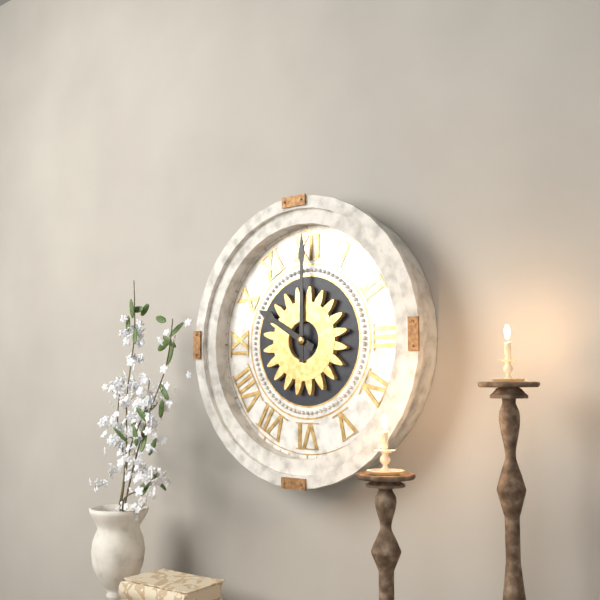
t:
10:00
